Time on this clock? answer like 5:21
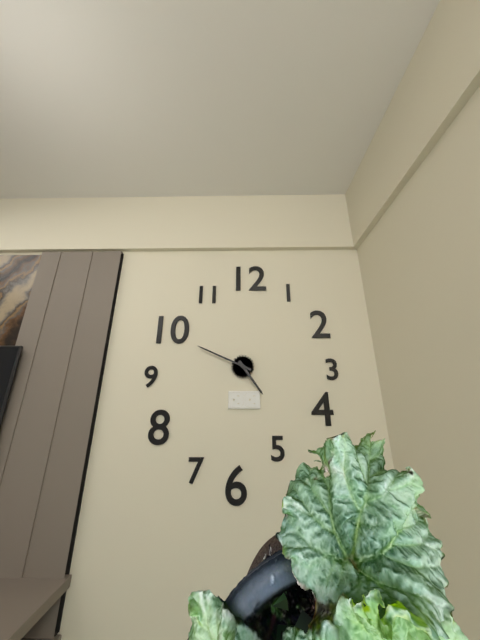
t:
4:49
